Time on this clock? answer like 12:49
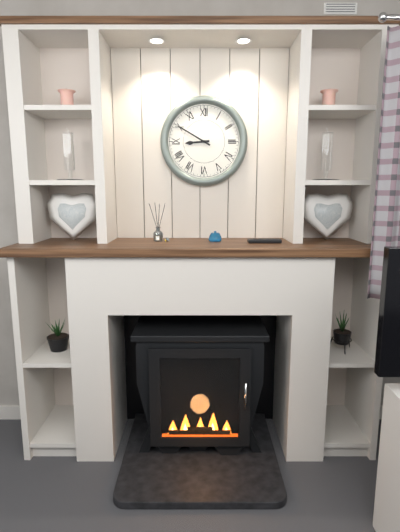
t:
8:50
